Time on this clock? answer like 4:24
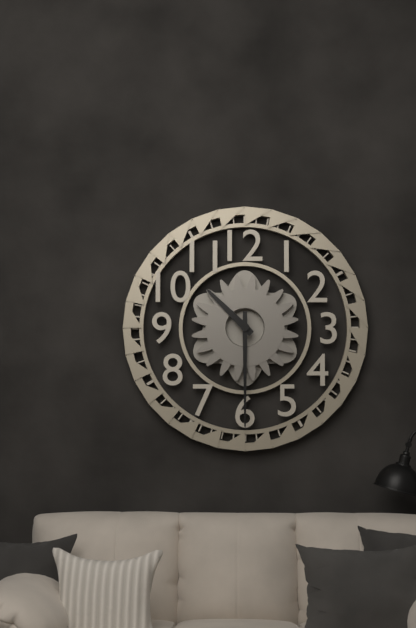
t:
10:30
